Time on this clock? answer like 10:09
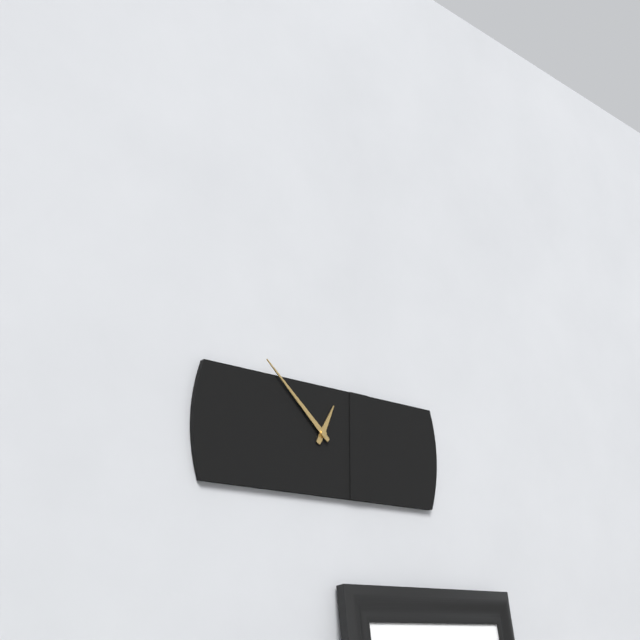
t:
12:52
